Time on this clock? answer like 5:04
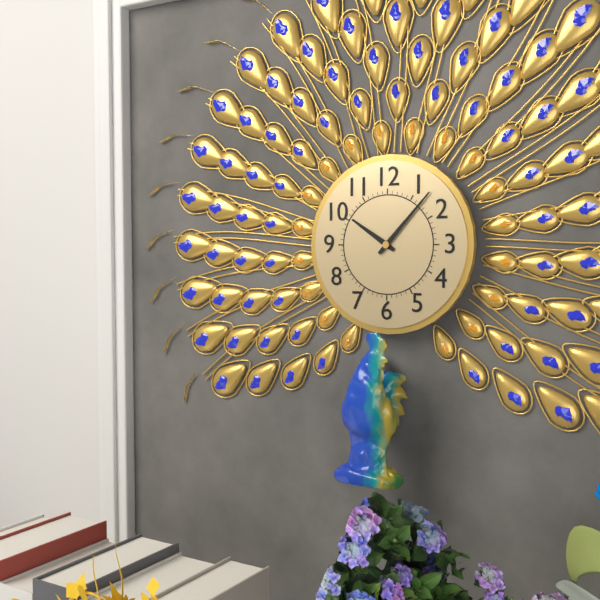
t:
10:07
